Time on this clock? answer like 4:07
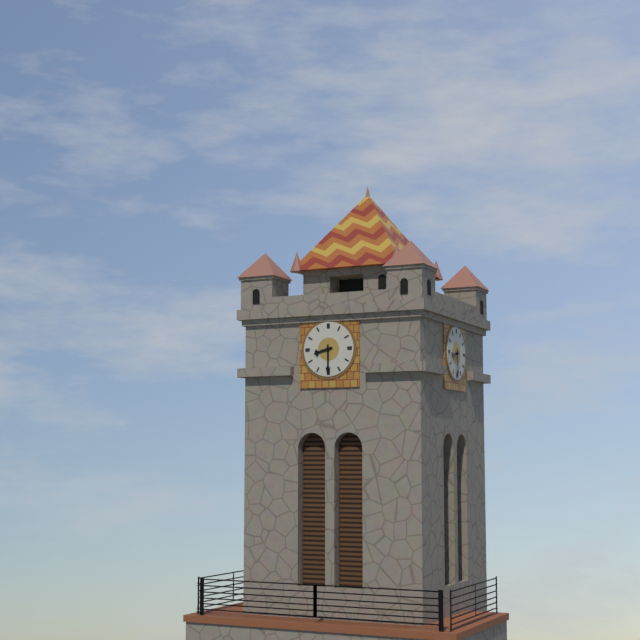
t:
8:30
